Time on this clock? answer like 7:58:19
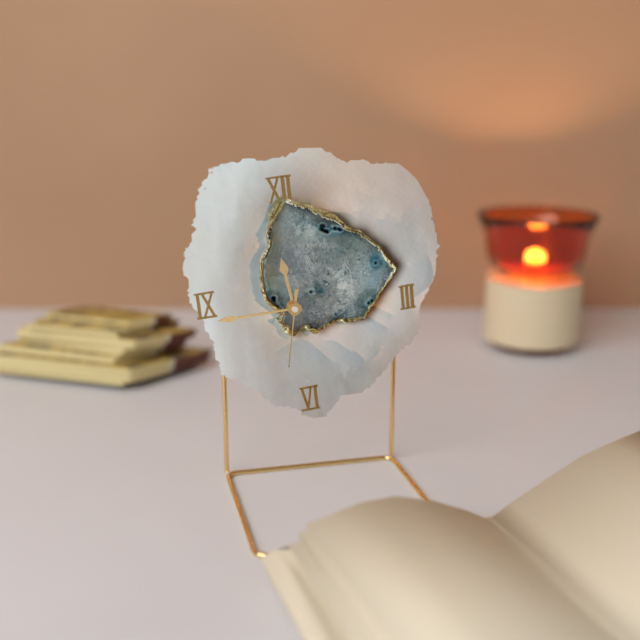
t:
11:45:32
